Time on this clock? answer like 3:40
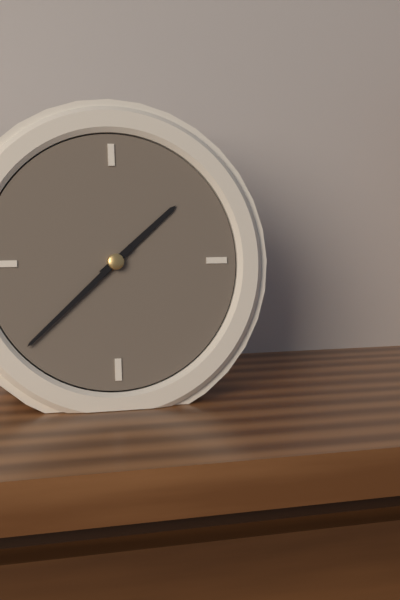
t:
1:38
